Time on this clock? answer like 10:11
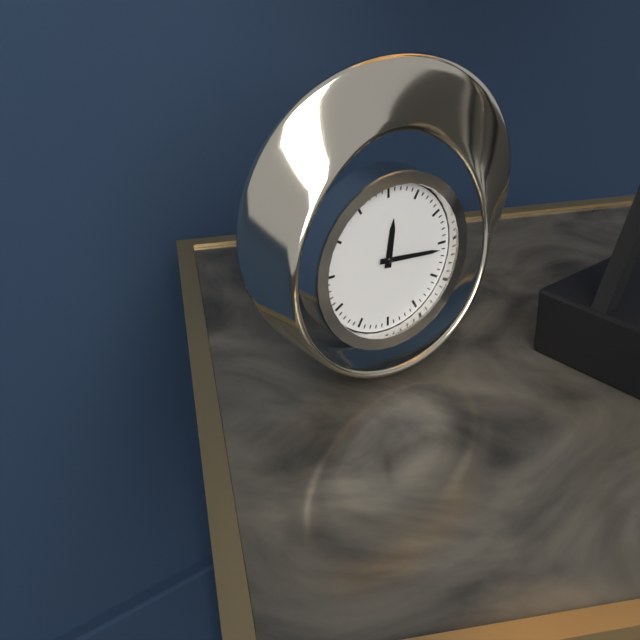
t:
12:16
